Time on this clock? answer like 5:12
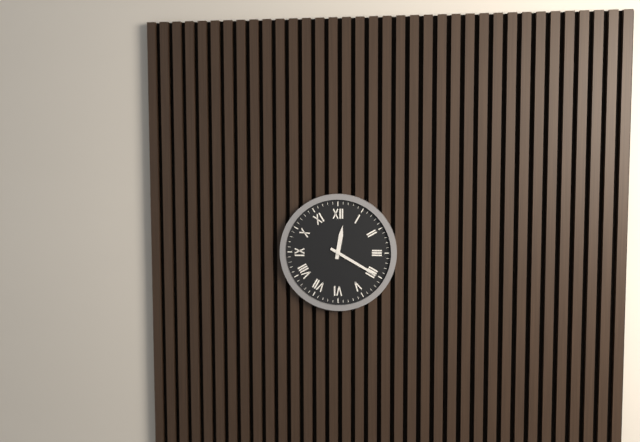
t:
12:20
